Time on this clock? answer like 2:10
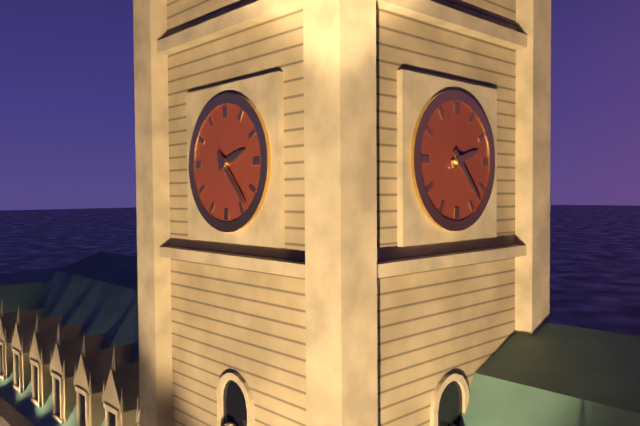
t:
2:23
